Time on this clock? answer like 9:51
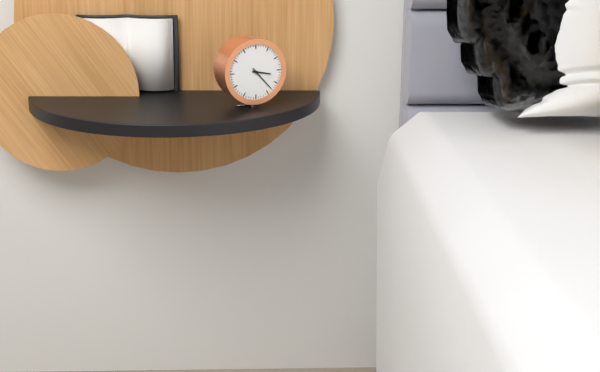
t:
3:23
